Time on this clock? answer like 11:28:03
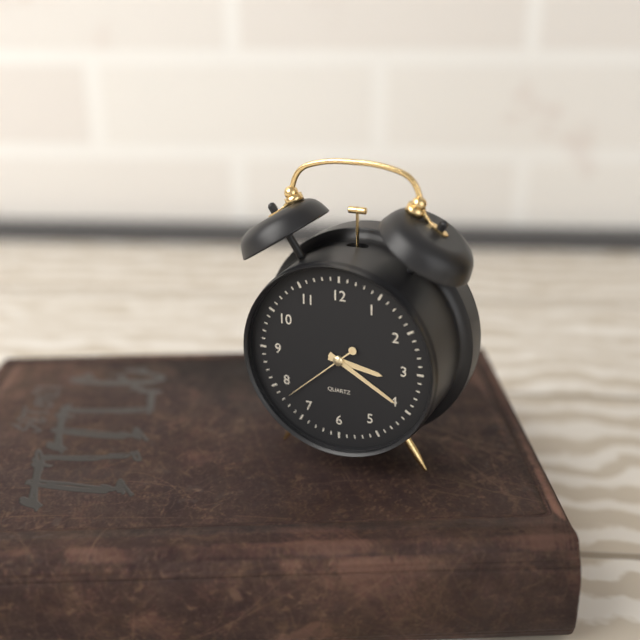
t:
3:20:38
